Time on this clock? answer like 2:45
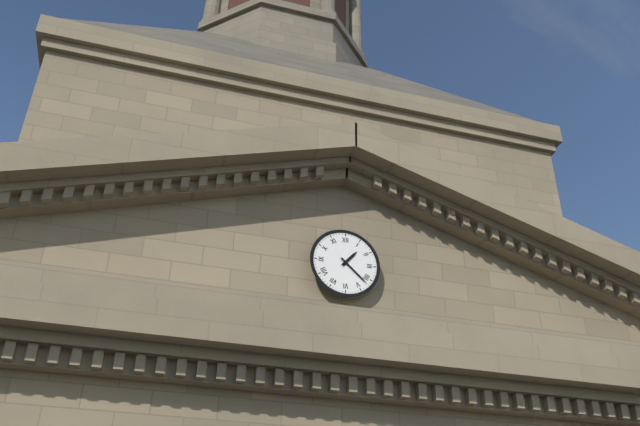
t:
1:22
